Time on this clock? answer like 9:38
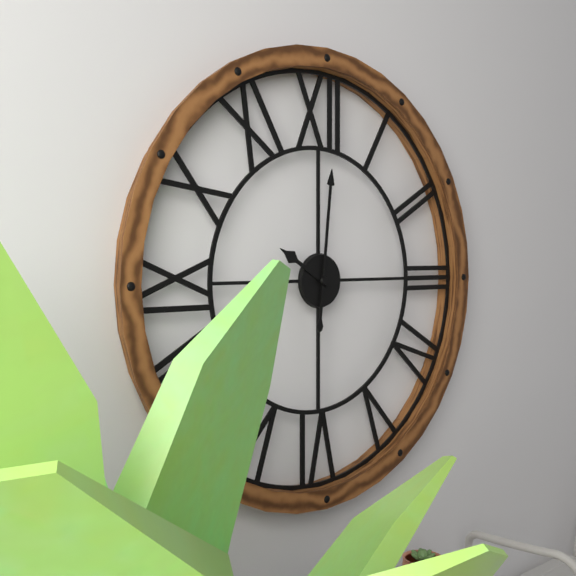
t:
10:01
